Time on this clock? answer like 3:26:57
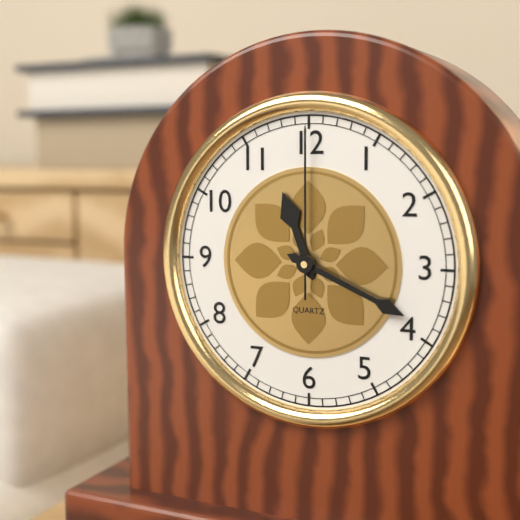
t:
11:19:00
